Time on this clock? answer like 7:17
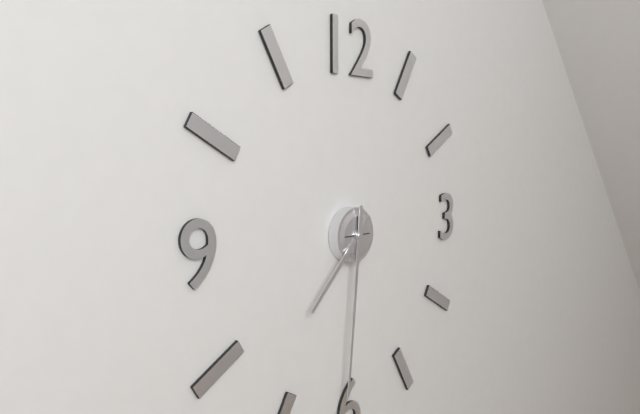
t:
7:31
